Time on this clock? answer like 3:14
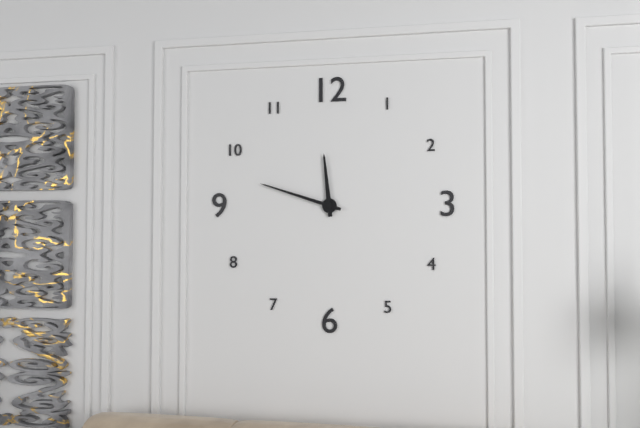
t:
11:48
